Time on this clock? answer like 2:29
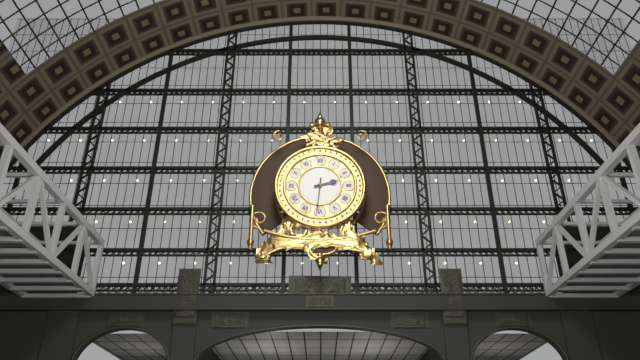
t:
2:31
